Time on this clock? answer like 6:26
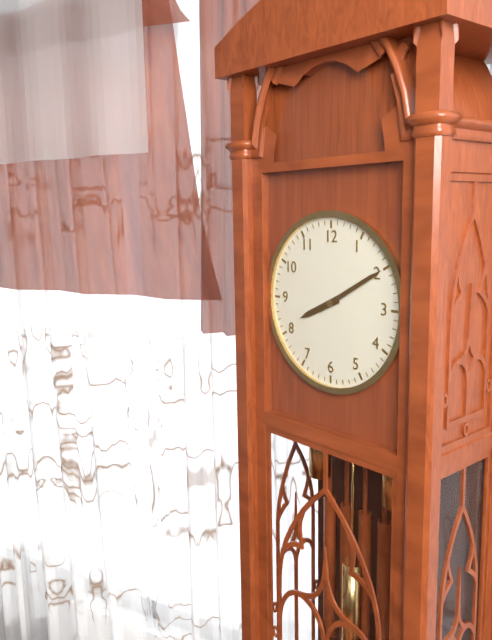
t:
8:10
